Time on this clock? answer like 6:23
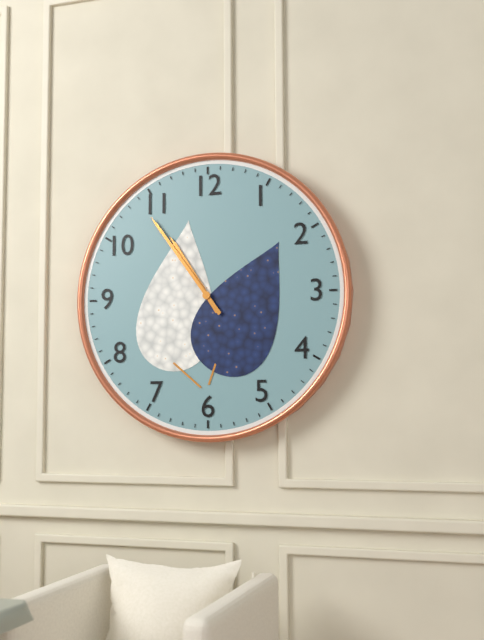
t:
10:54
